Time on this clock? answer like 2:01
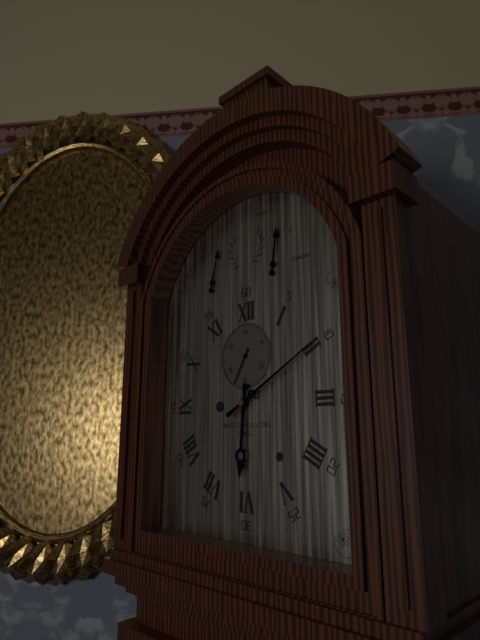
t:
6:10
